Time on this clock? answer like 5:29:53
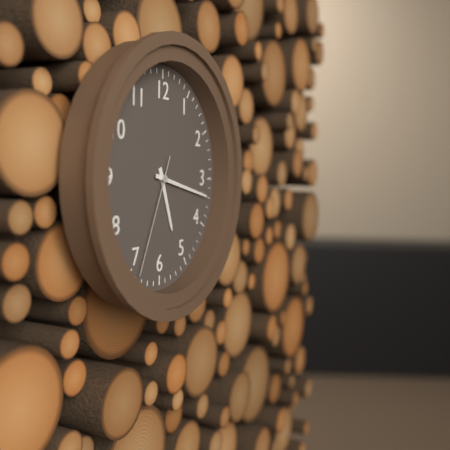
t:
5:17:34
